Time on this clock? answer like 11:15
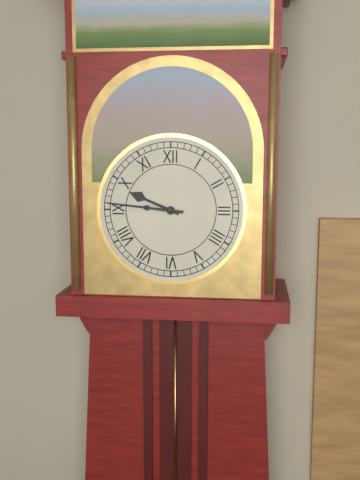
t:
9:46
